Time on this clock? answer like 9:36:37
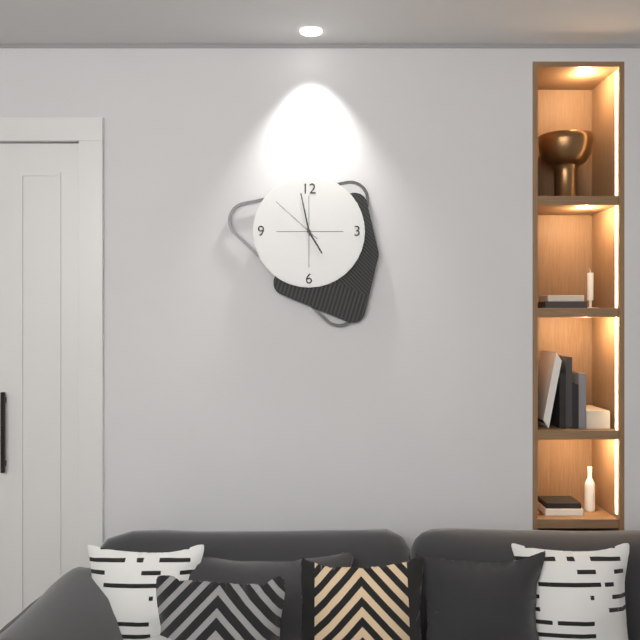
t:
4:58:52
